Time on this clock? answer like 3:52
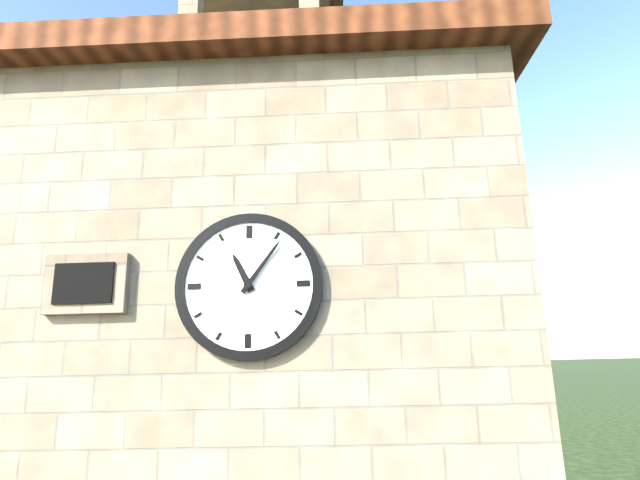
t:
11:06
